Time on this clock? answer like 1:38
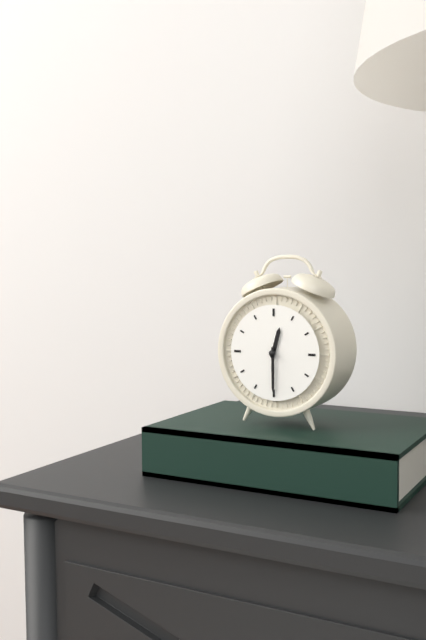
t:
12:30
